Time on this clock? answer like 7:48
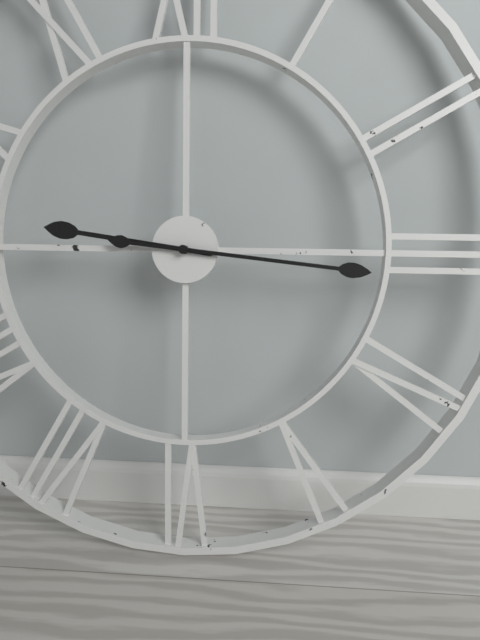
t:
9:16
